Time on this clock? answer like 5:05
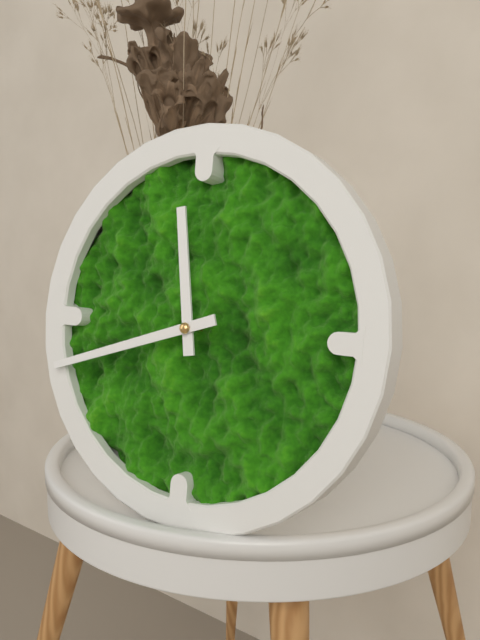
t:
11:42
